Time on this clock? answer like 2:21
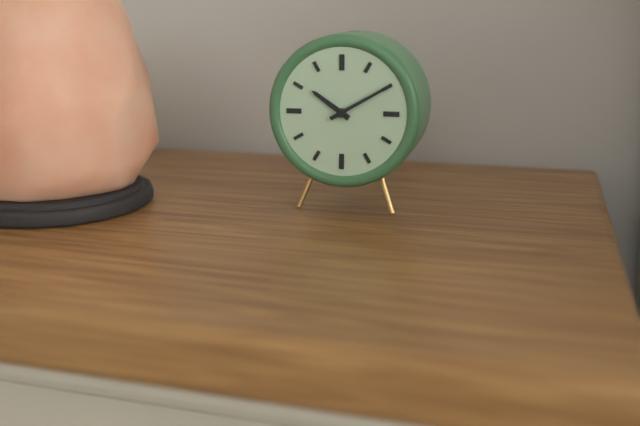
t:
10:10
